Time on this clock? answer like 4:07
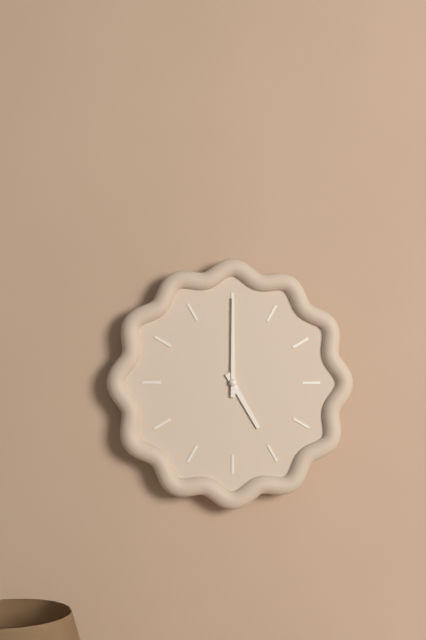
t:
5:00
